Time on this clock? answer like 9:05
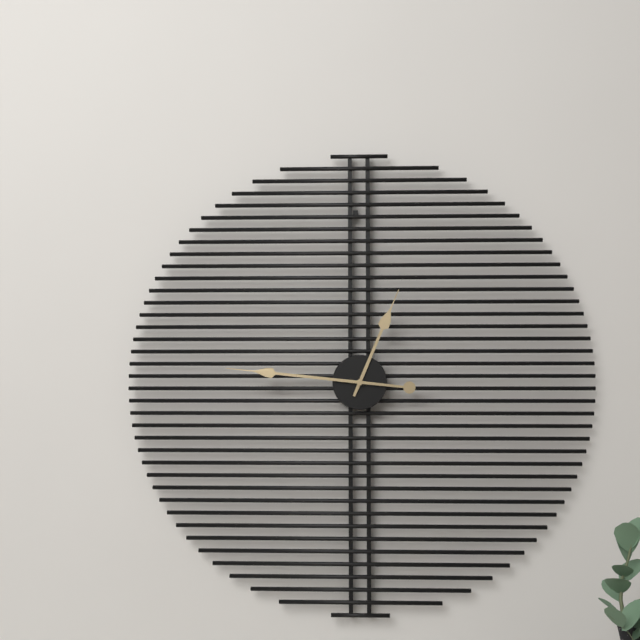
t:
12:46
